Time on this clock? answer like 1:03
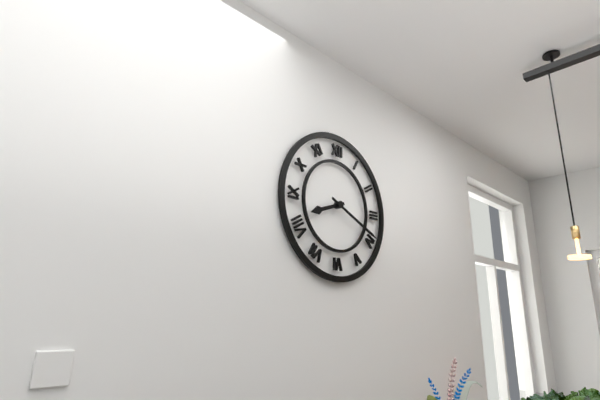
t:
8:19
